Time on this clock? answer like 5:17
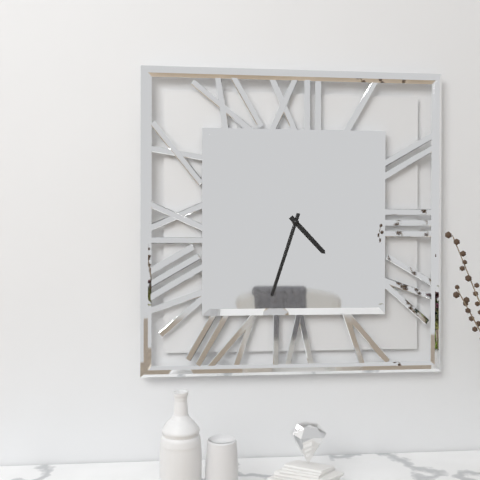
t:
4:33
